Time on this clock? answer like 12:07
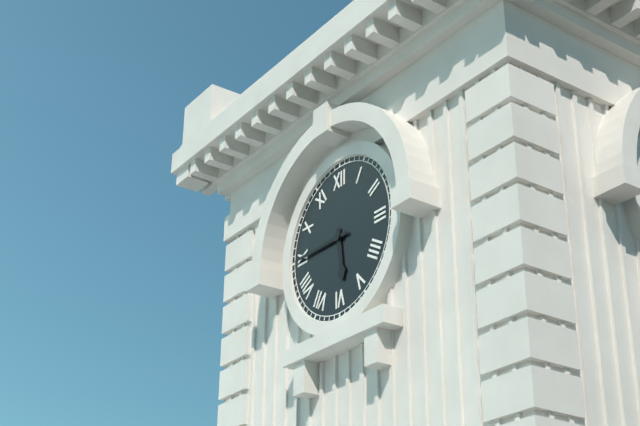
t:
5:45
